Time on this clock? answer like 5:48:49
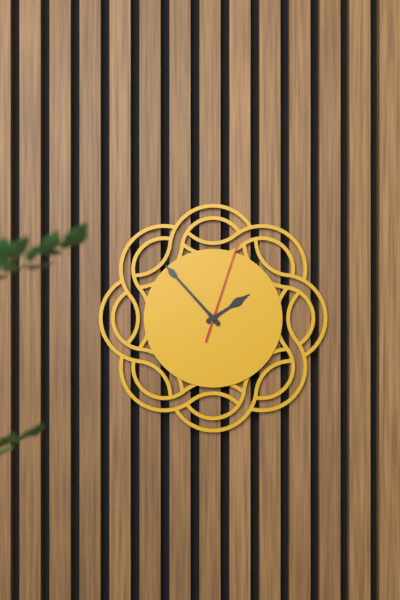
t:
1:53:03
